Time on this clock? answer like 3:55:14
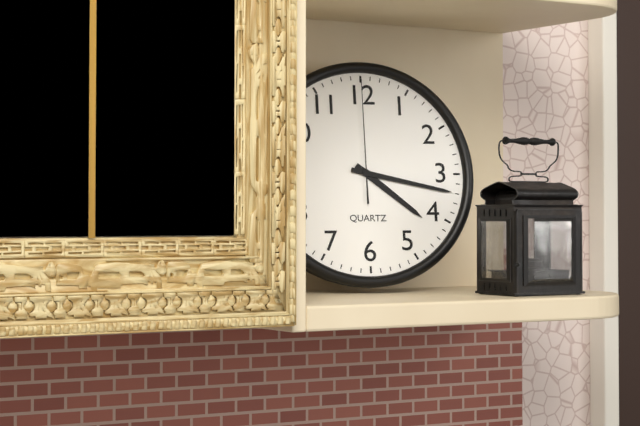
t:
4:17:00
